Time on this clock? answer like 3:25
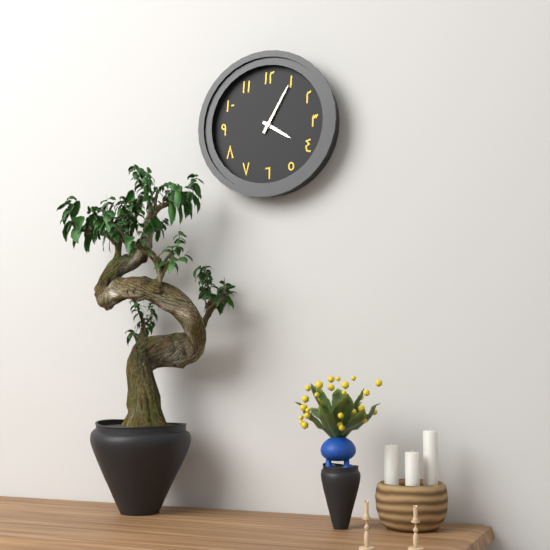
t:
4:05
